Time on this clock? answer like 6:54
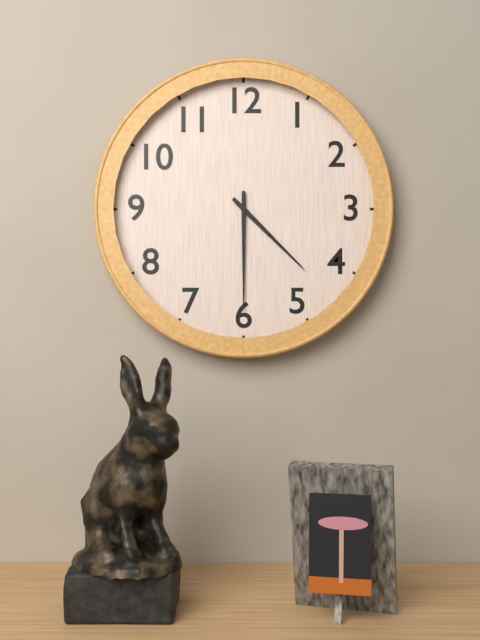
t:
4:30
